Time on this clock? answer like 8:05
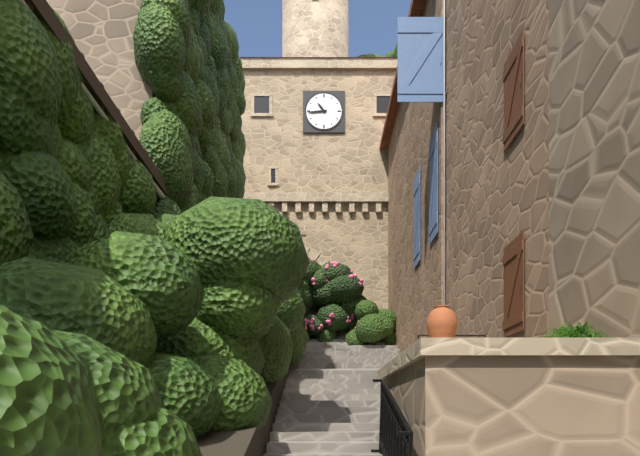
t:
10:44
